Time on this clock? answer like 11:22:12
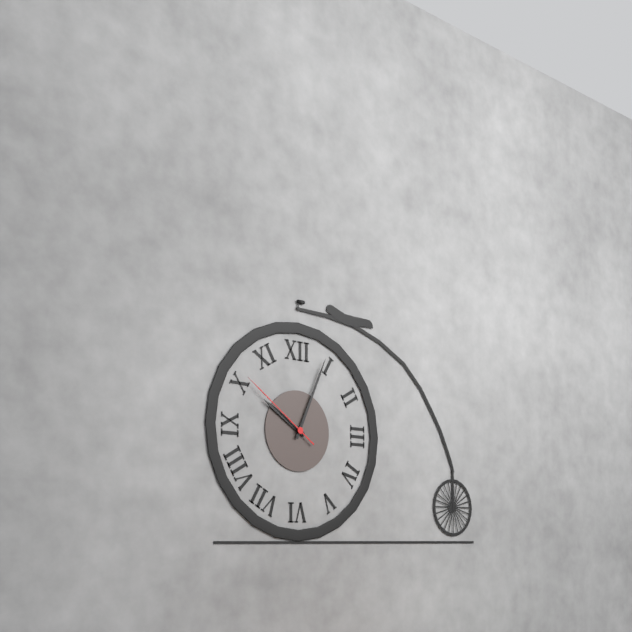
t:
10:04:51
